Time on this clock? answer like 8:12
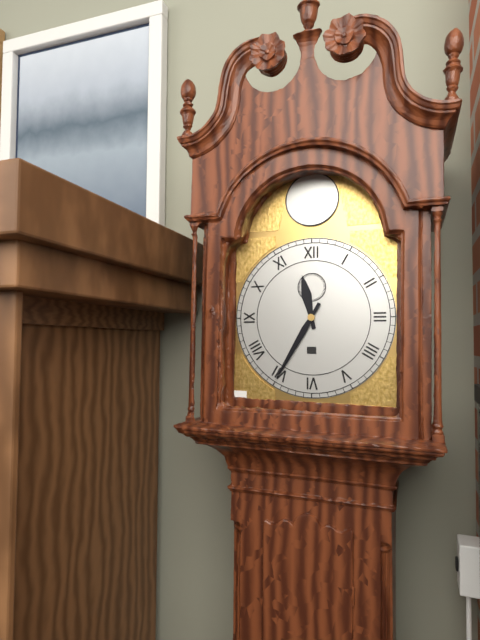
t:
11:35
